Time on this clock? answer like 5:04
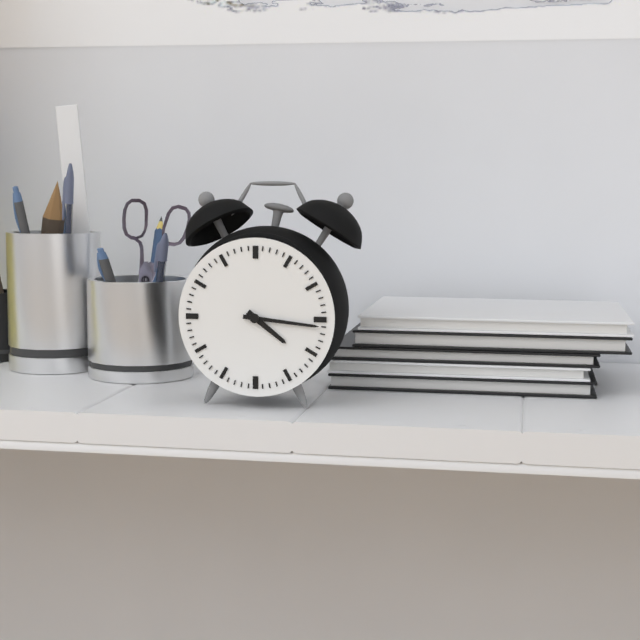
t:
4:16
